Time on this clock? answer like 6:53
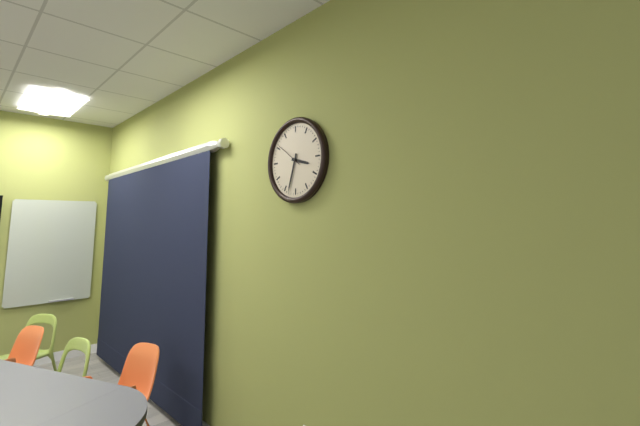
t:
3:33
